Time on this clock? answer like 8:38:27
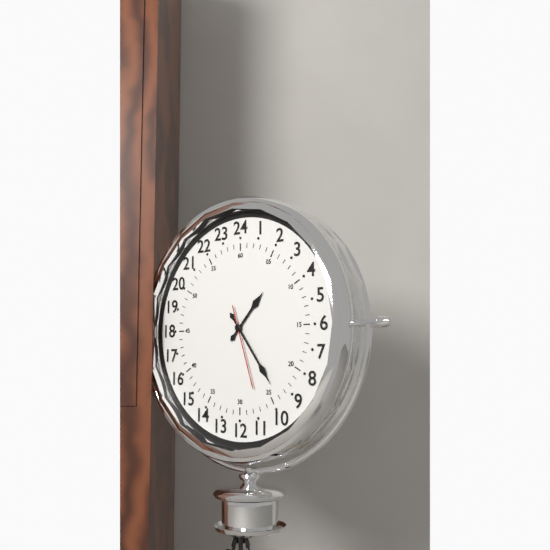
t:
1:24:27
